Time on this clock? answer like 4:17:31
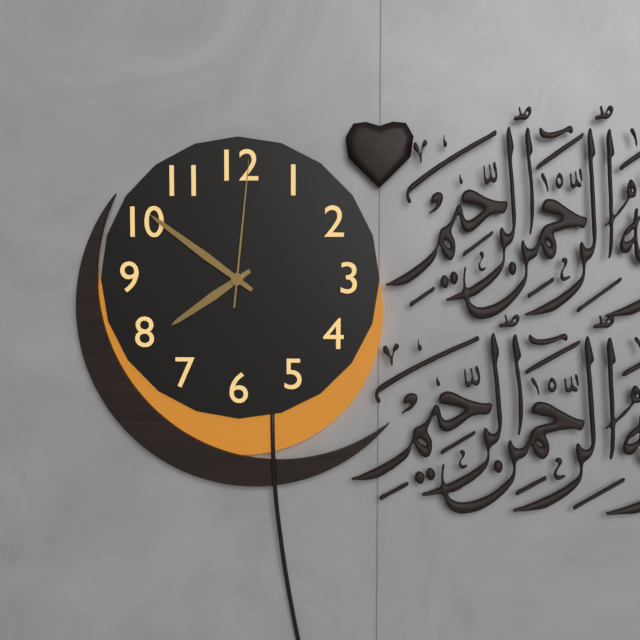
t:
7:51:01
